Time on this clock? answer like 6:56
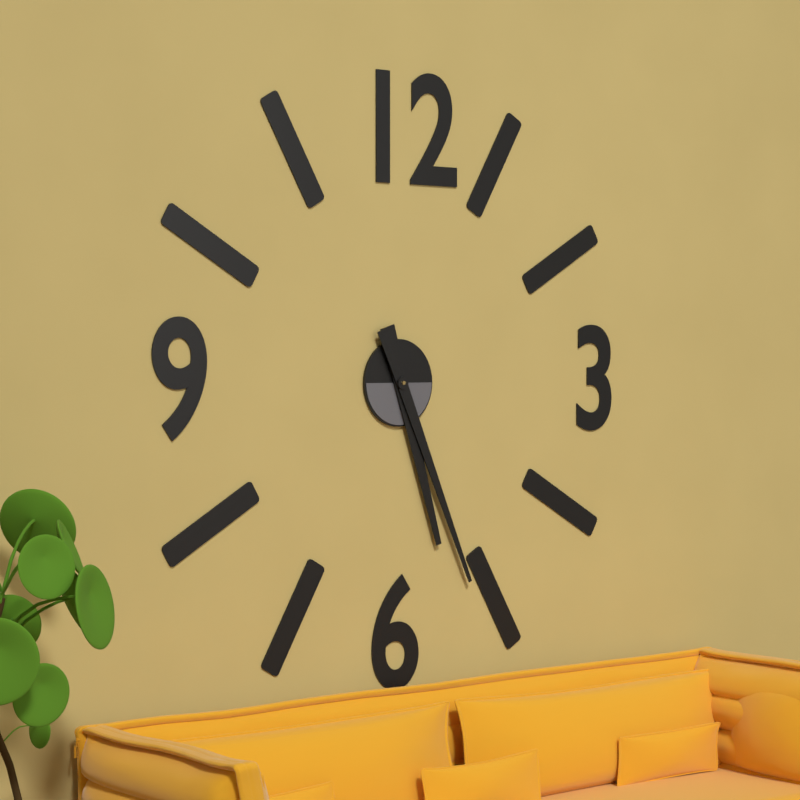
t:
5:26
